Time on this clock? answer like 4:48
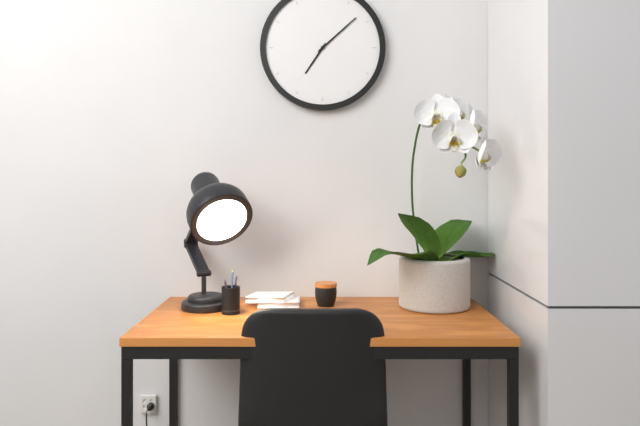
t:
7:08
